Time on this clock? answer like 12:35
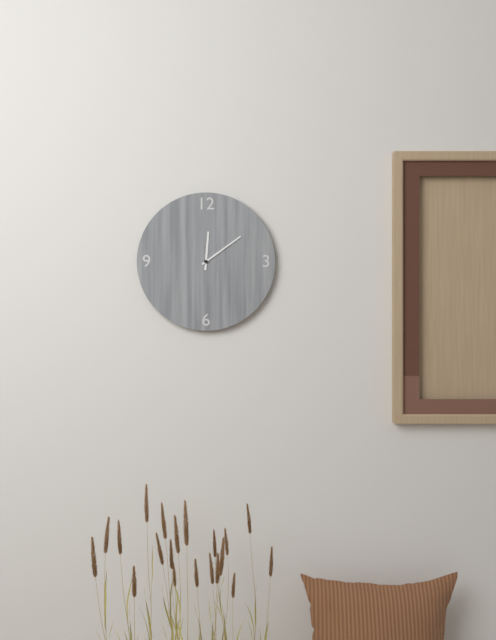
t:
12:09
